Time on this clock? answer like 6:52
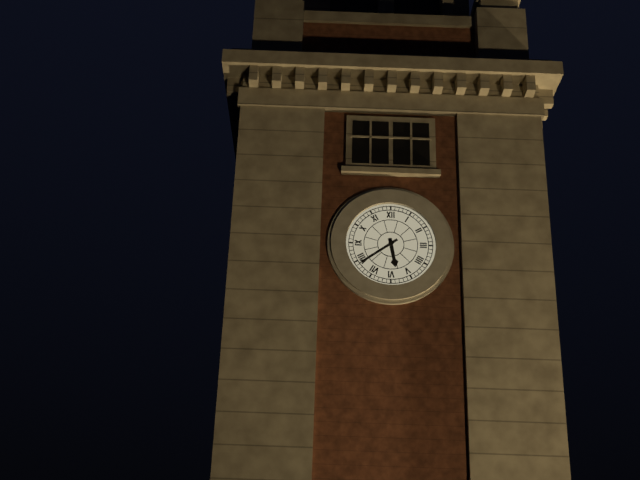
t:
5:39
